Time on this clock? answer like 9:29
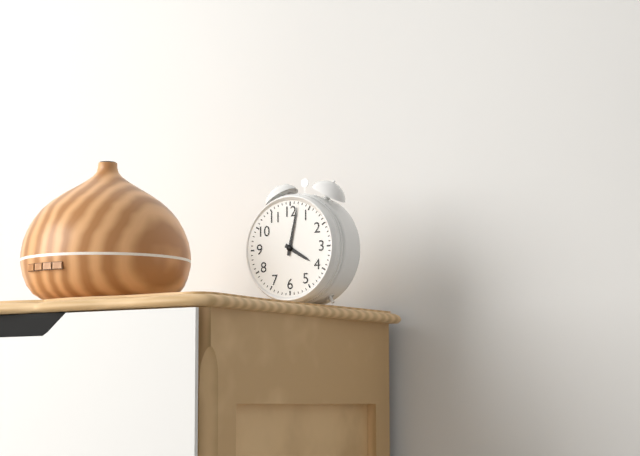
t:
4:02
